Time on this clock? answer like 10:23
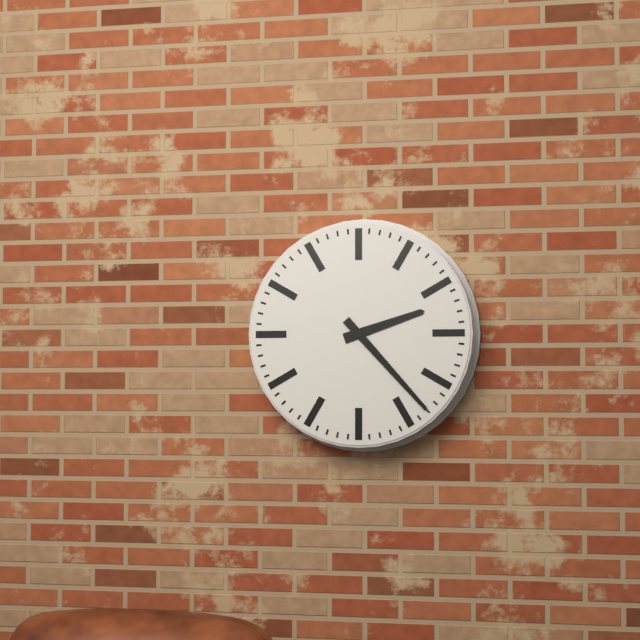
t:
2:23
